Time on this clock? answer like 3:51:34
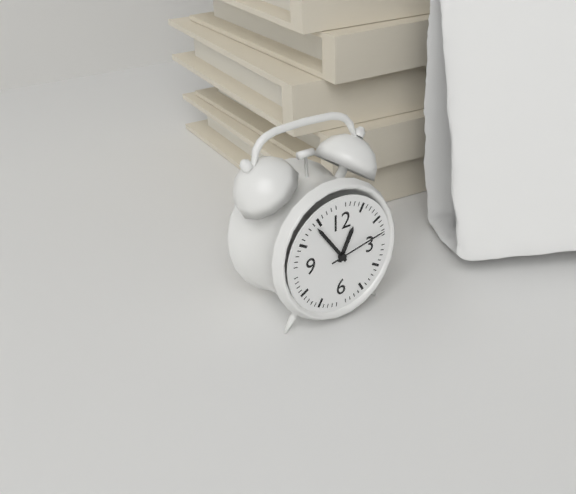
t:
12:54:13
